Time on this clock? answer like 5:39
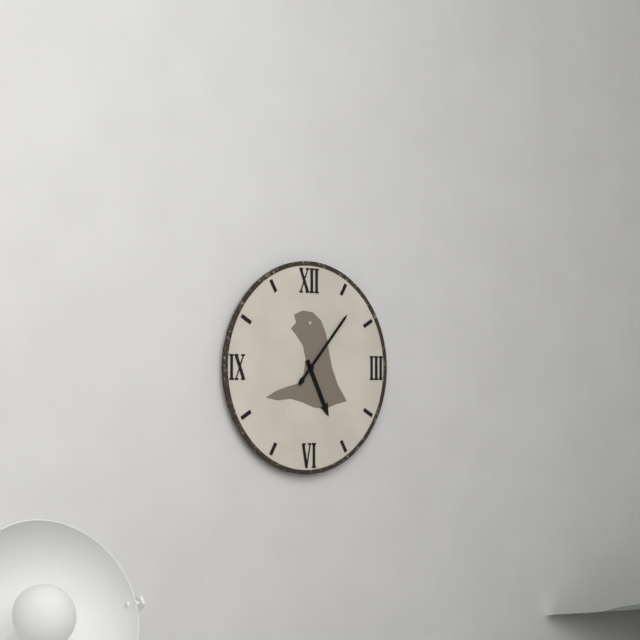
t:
5:07
